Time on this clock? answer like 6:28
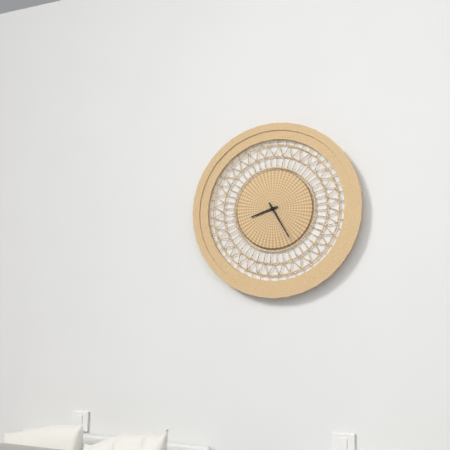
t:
8:25
